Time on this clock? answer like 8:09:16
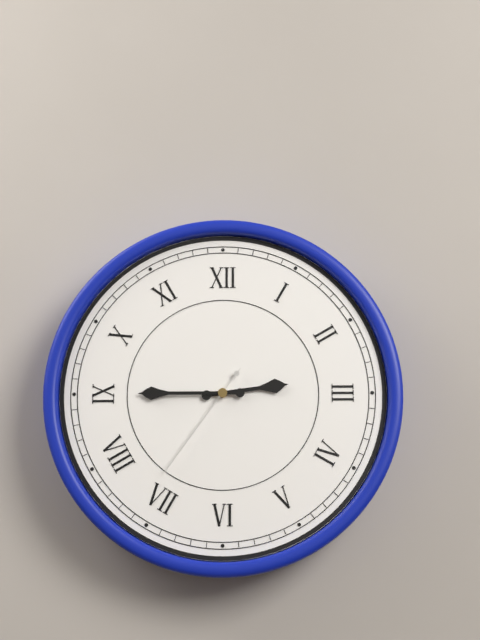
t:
2:45:36
